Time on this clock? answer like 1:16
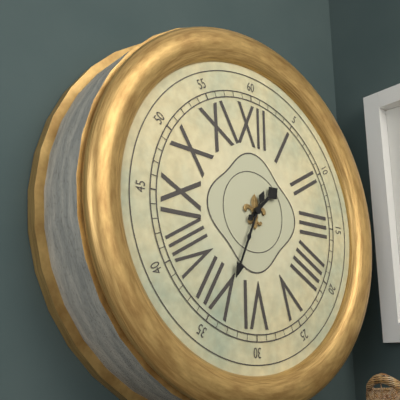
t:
1:34
